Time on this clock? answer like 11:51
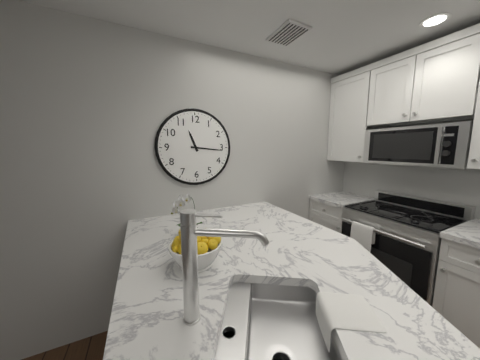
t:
11:16
